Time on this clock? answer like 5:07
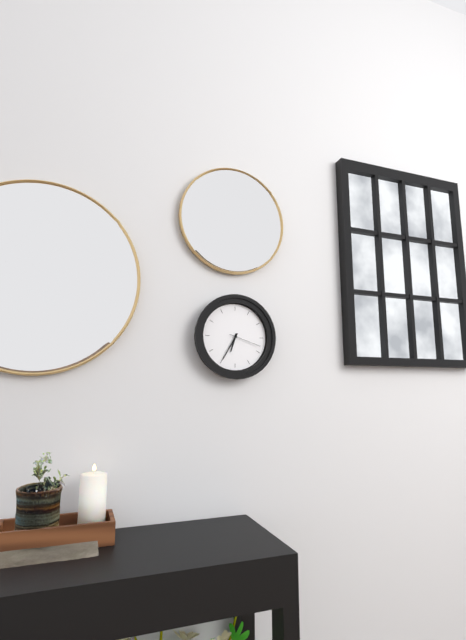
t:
6:35
